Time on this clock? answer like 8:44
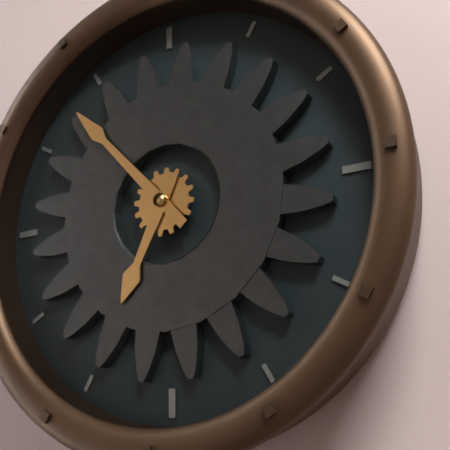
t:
6:53
